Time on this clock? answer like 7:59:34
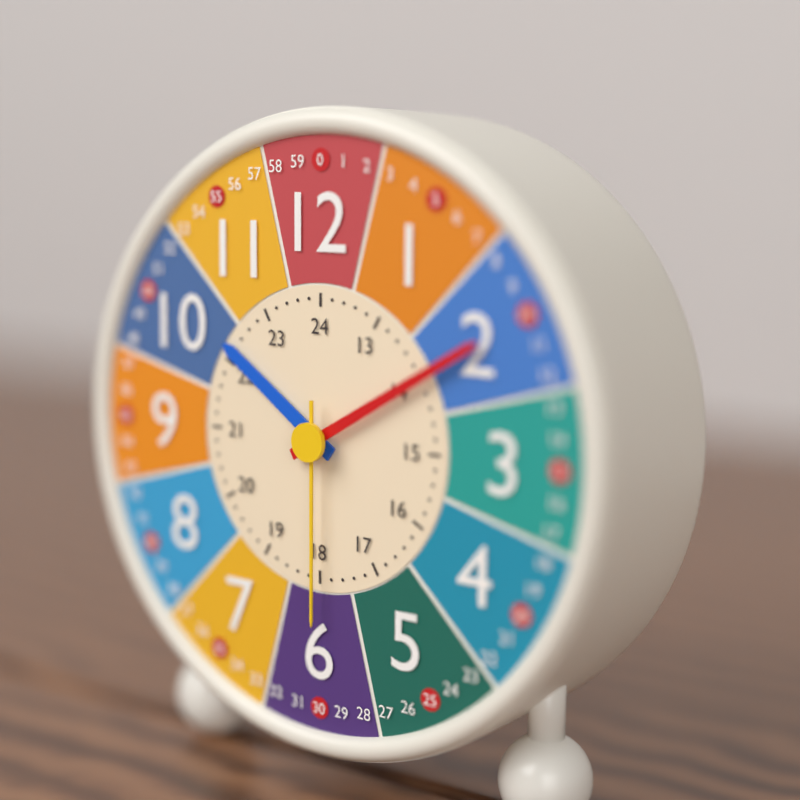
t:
10:10:30
